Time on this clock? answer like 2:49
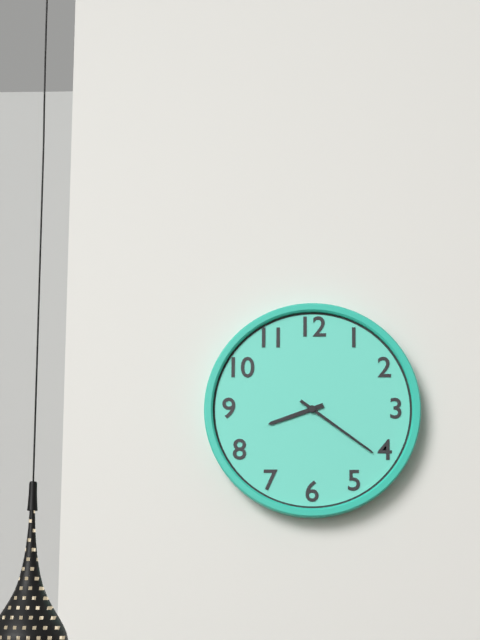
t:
8:21
